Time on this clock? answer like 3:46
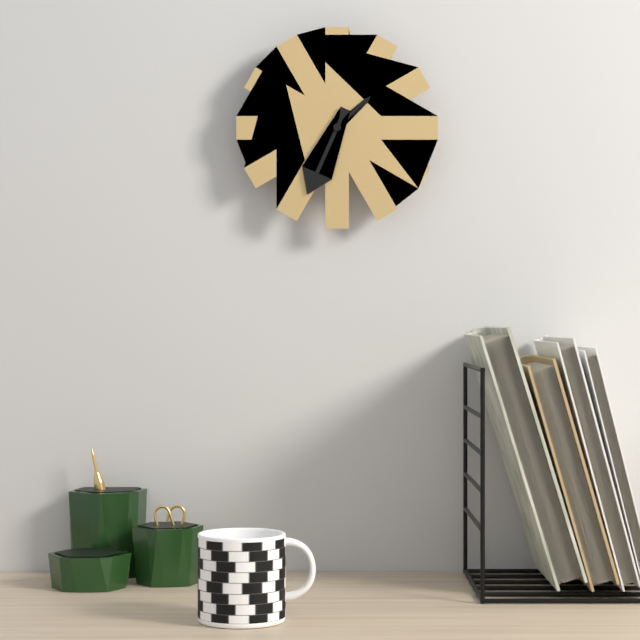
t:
1:34
